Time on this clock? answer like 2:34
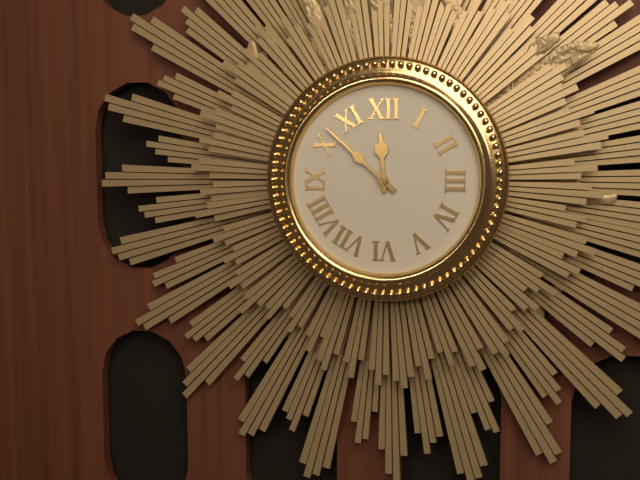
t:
11:52
